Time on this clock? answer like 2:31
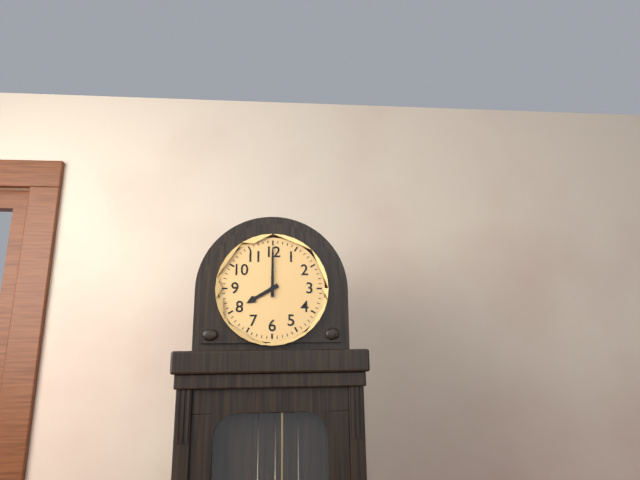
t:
8:00
